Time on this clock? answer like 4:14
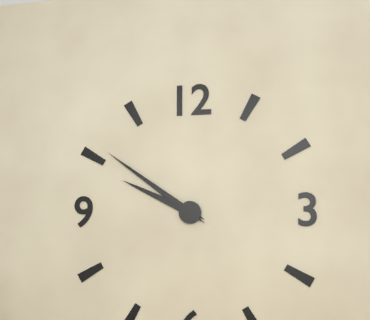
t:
9:51
